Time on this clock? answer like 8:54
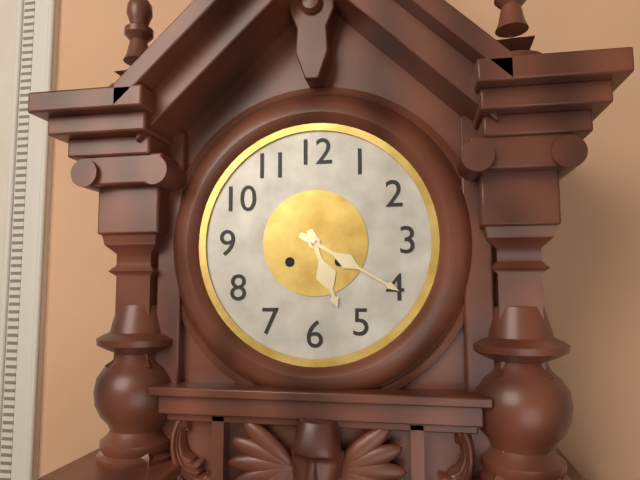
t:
5:20
